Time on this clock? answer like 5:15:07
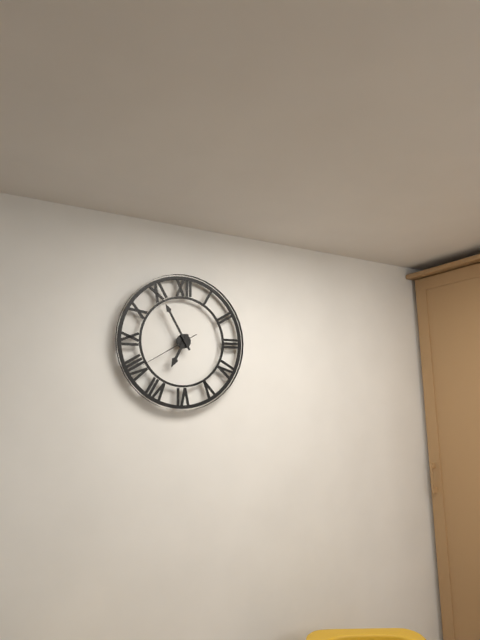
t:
6:55:40
